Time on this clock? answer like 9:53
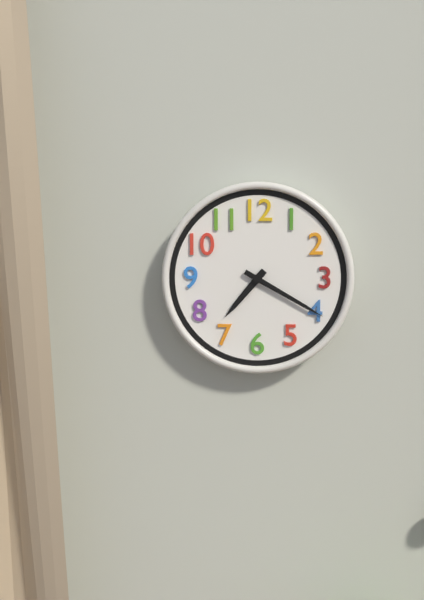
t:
7:20
